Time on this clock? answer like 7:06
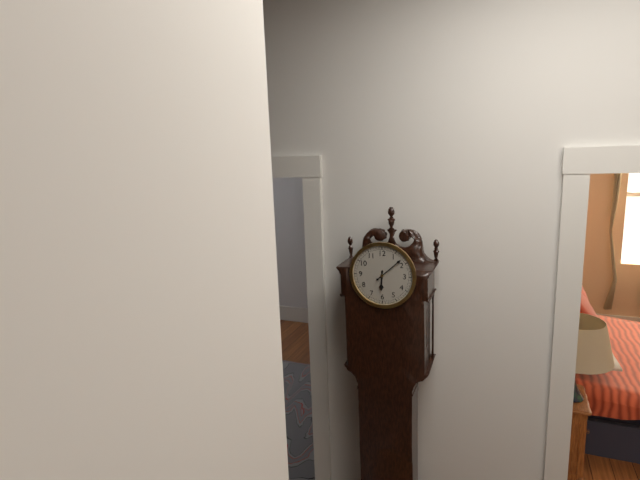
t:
6:08
